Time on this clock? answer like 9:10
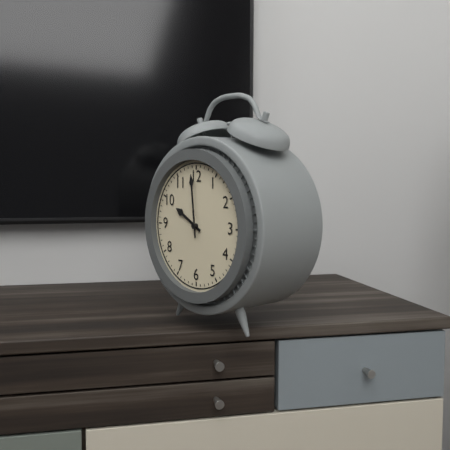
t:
9:59
